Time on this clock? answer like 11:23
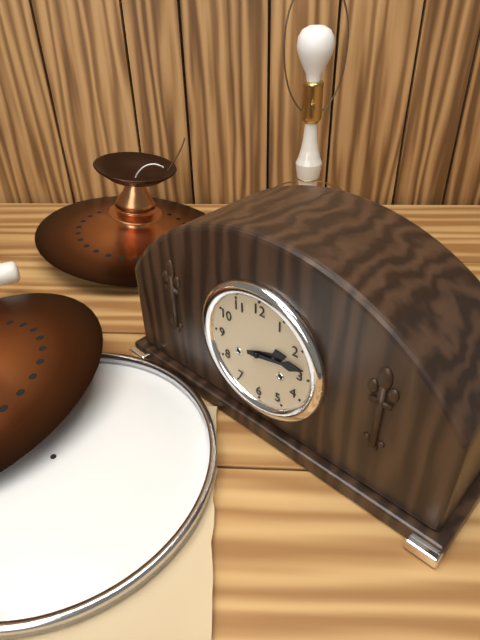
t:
2:13
